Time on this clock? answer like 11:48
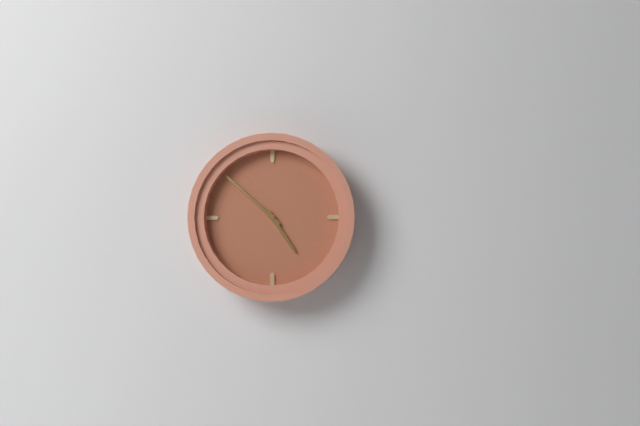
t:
4:52
